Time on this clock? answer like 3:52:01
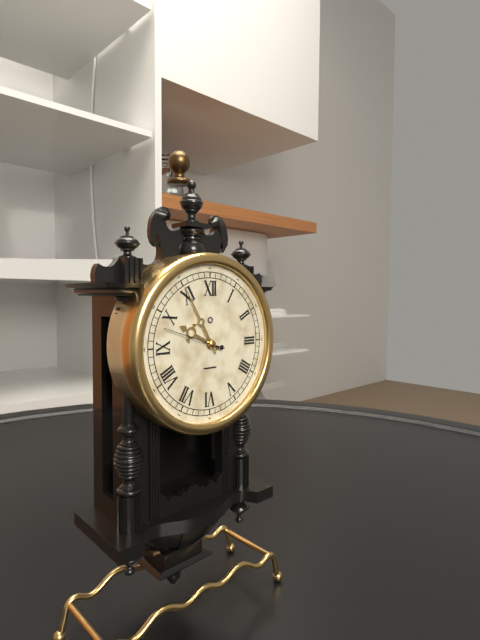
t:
9:55:48
